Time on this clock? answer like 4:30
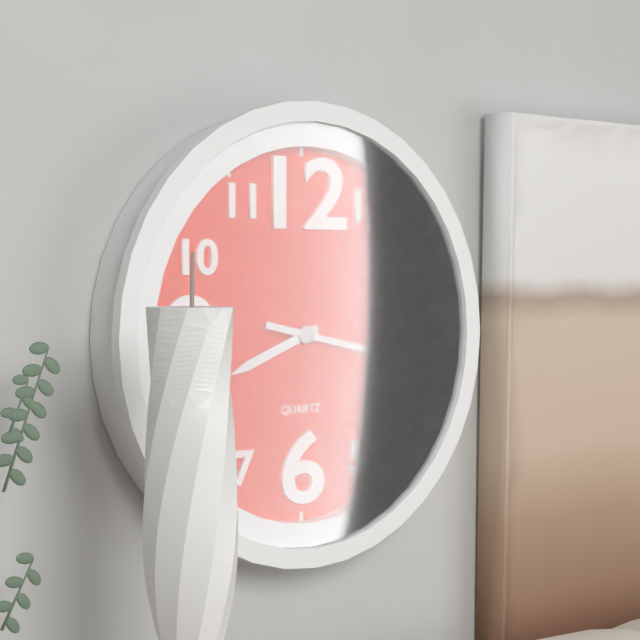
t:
8:17
